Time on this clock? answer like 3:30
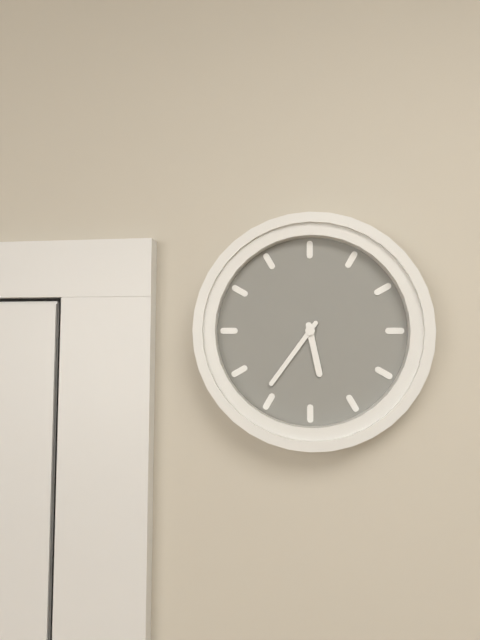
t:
5:36
